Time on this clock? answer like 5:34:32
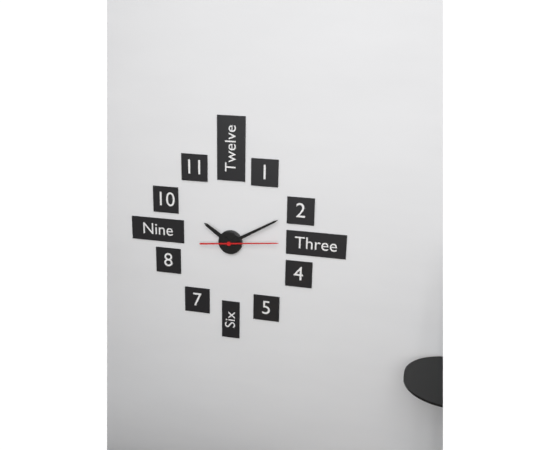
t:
10:10:14
